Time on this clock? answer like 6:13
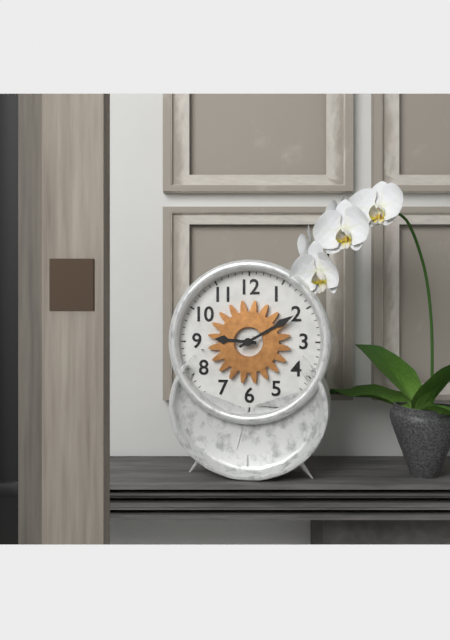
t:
9:10
